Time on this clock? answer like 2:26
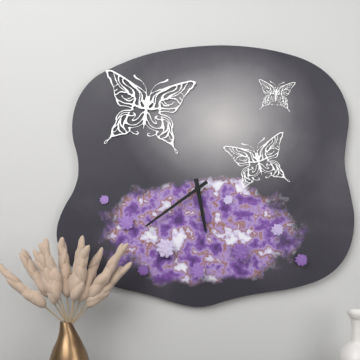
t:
5:39
